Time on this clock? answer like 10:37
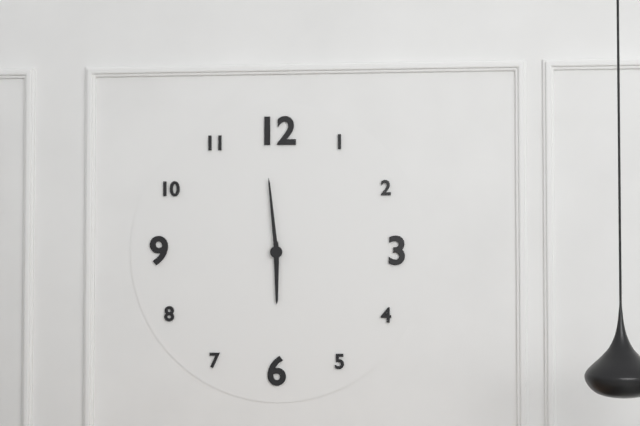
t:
5:59
